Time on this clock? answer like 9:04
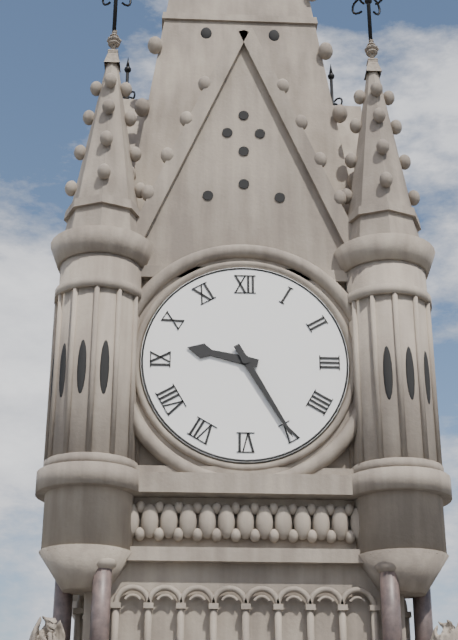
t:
9:25
